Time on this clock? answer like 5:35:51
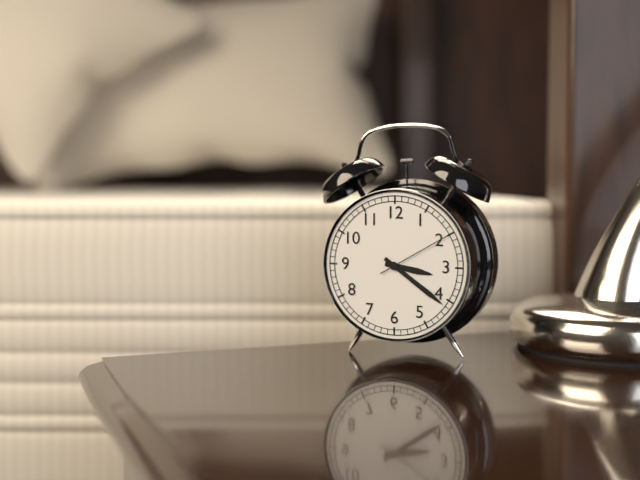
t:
3:21:10
